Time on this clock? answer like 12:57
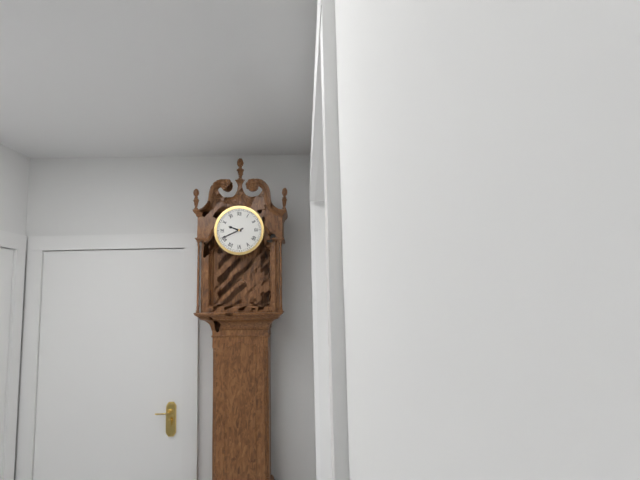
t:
9:41
